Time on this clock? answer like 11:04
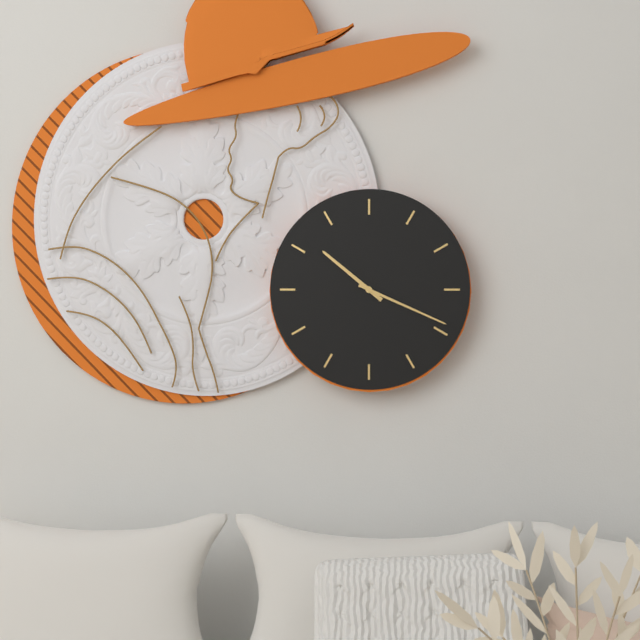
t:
10:19
